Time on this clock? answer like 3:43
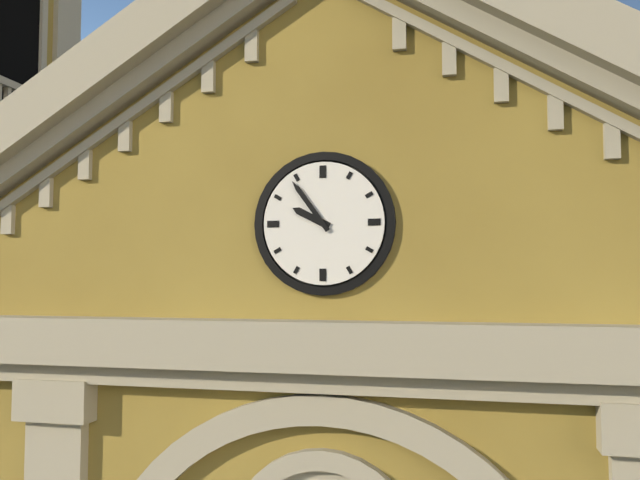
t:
9:54
